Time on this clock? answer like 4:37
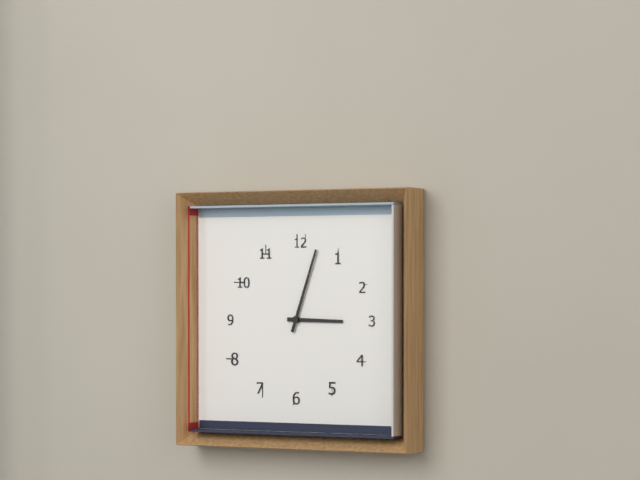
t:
3:03
